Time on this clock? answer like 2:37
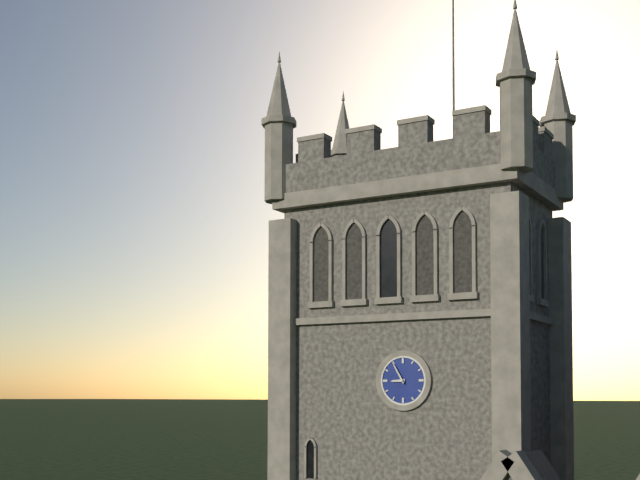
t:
8:55
